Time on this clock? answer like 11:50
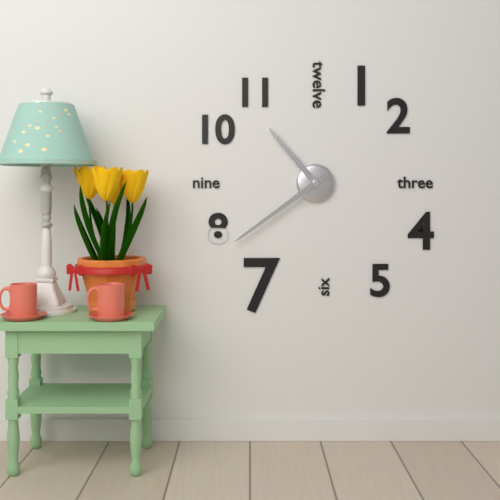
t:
10:39
